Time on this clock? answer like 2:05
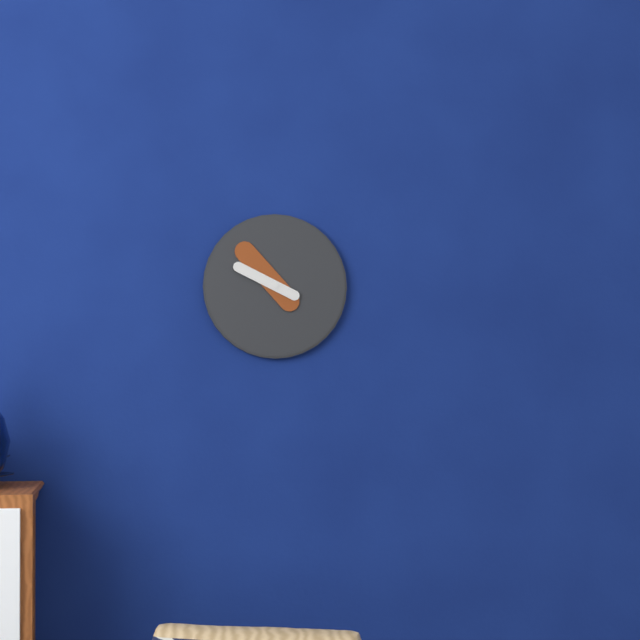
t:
9:53
